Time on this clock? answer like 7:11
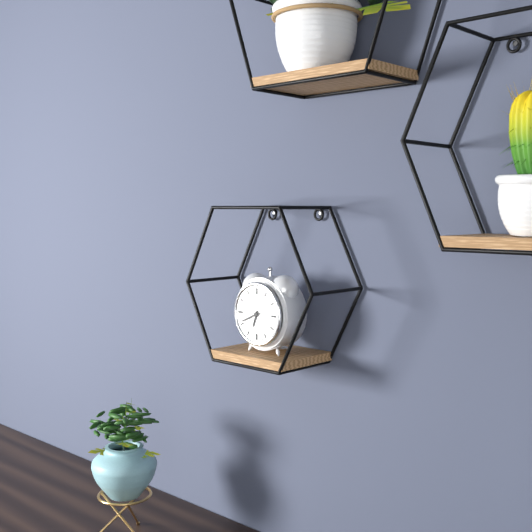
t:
6:41
